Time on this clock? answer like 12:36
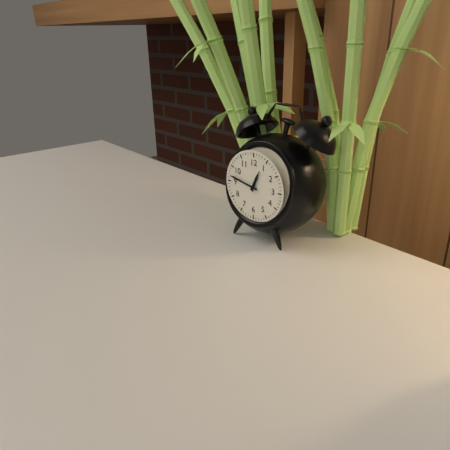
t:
12:47
